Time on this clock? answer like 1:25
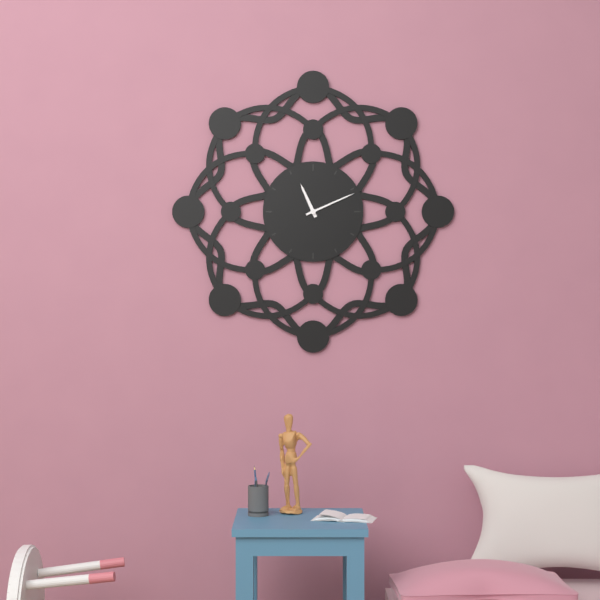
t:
11:11
